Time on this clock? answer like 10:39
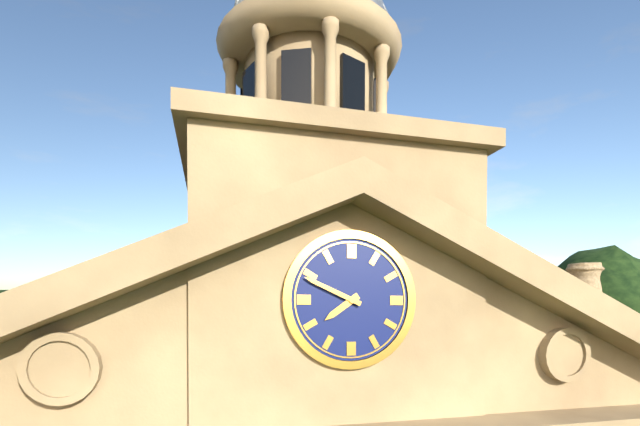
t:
7:49
